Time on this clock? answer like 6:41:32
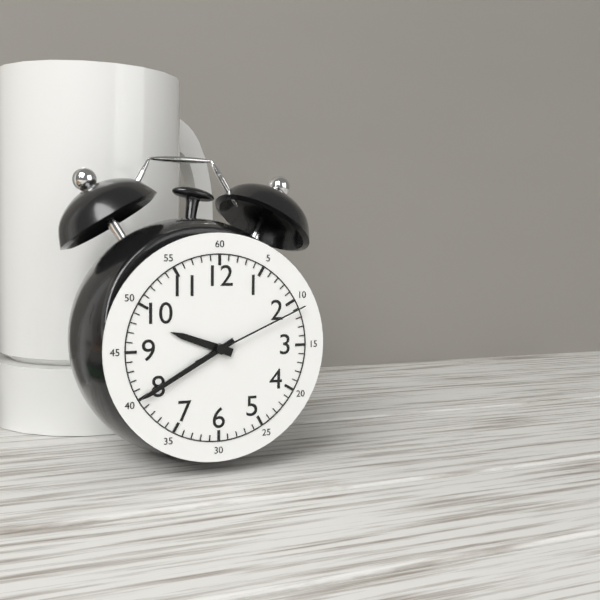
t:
9:40:11
